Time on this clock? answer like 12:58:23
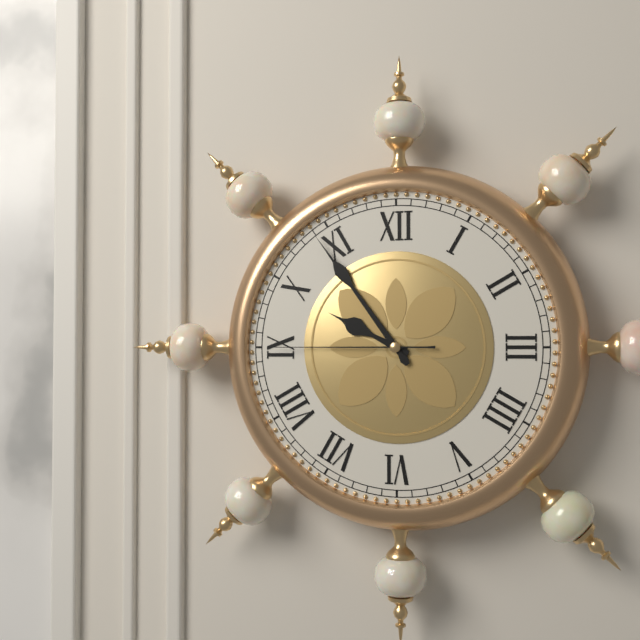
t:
9:54:45
